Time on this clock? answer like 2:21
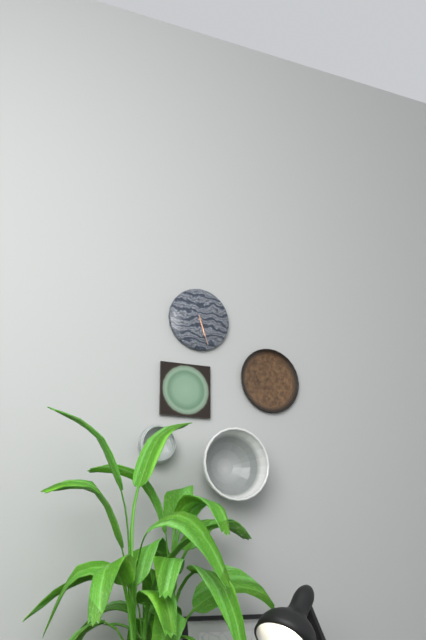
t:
5:27
